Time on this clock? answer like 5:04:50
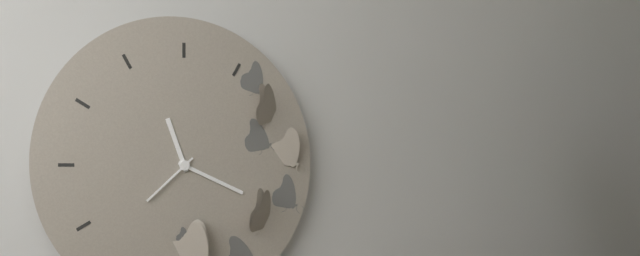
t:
11:19:38
